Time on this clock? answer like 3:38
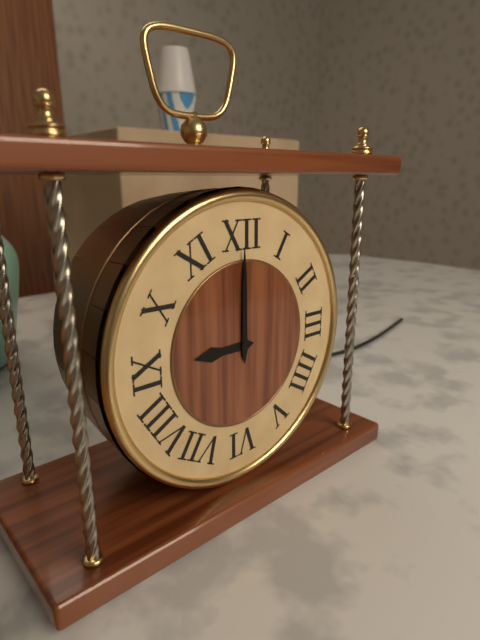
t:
9:00
